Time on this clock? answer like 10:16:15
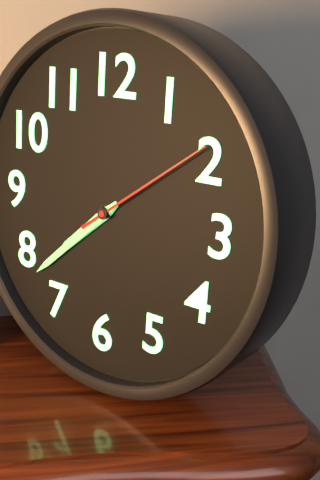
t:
7:38:09
